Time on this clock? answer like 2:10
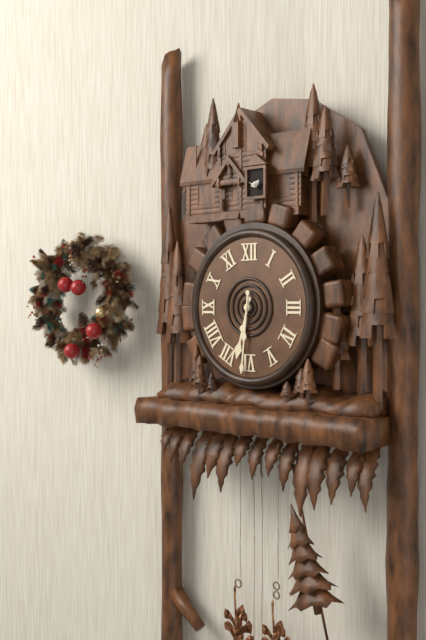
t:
6:31
